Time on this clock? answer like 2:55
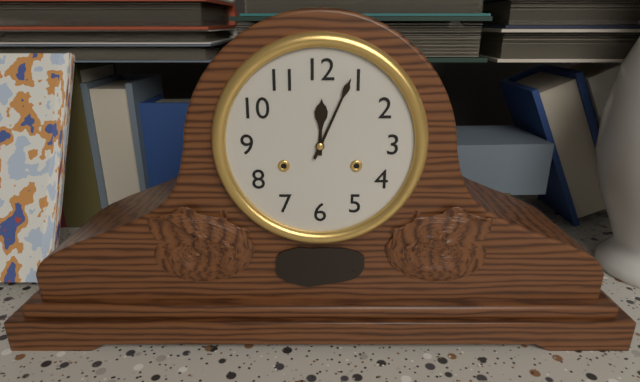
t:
12:04
